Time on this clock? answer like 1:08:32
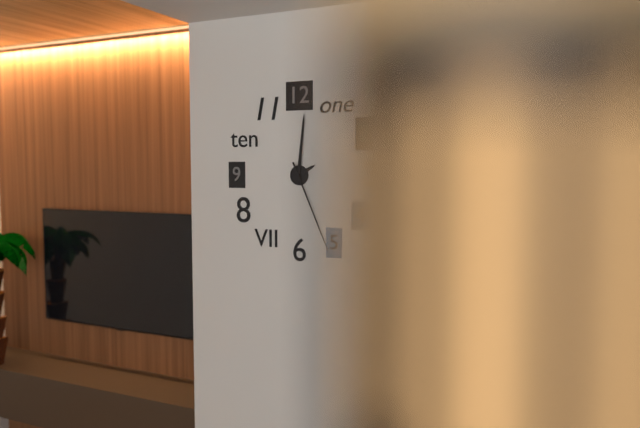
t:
2:01:26
